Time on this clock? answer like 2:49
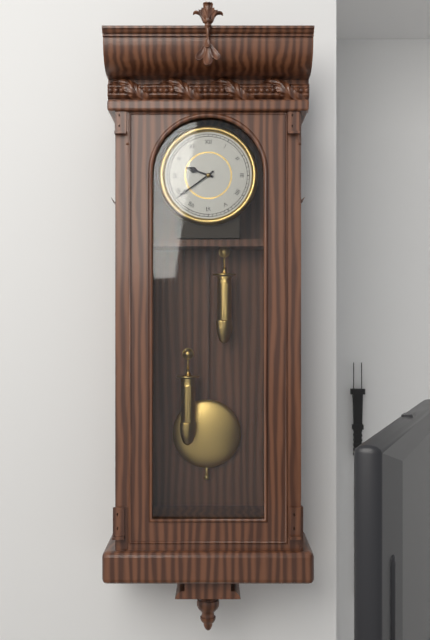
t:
9:39
